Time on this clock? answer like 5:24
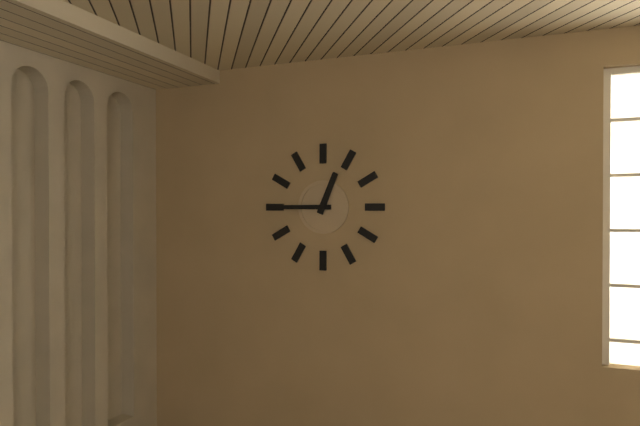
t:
12:45
